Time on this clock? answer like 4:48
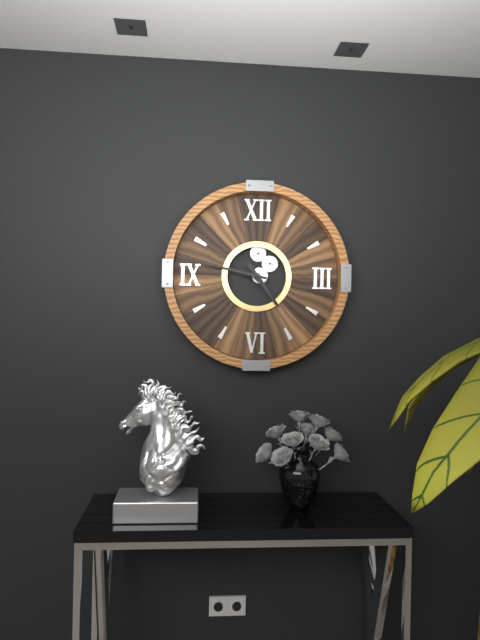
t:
4:47
